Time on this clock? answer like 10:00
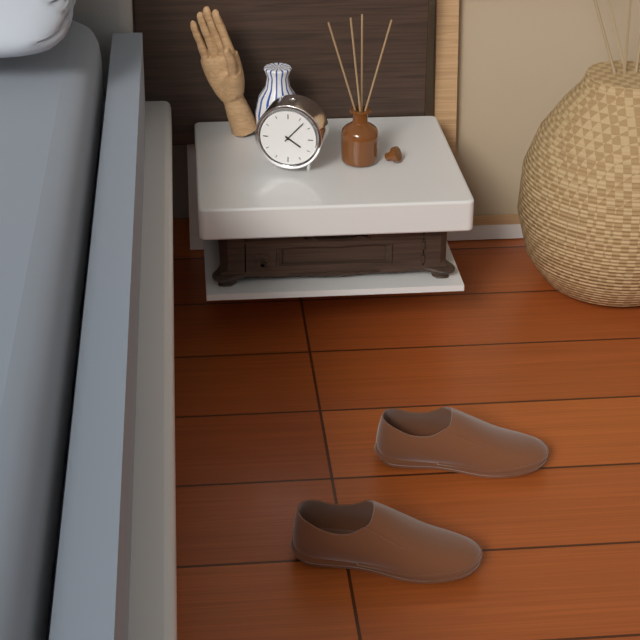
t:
4:07
